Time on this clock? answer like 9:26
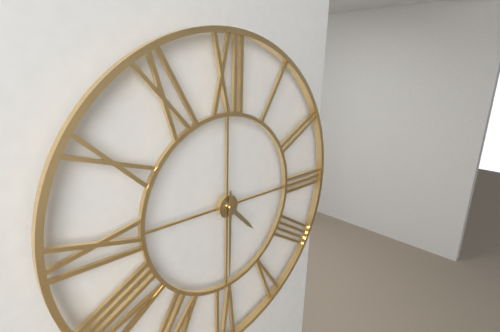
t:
4:30
